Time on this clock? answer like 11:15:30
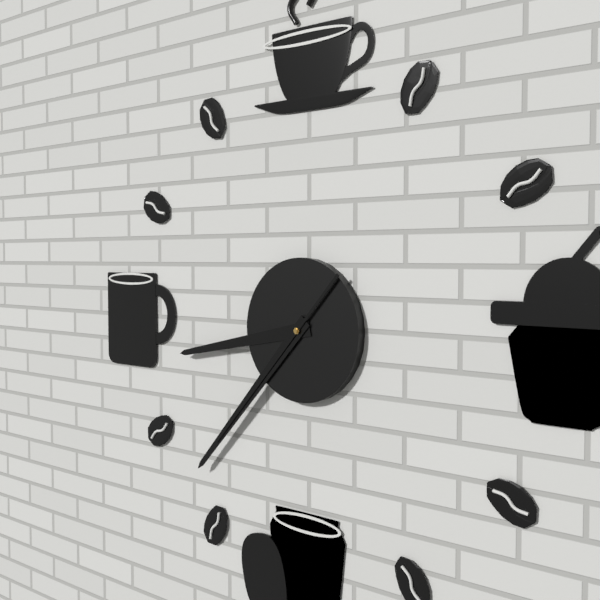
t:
8:37:37
